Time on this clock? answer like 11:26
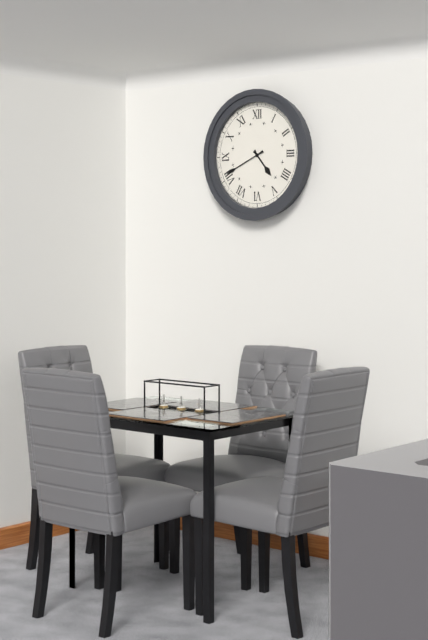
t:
4:41
